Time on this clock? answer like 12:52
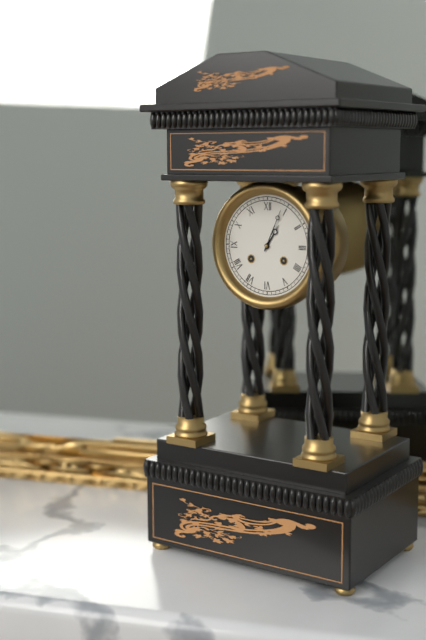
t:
1:04
